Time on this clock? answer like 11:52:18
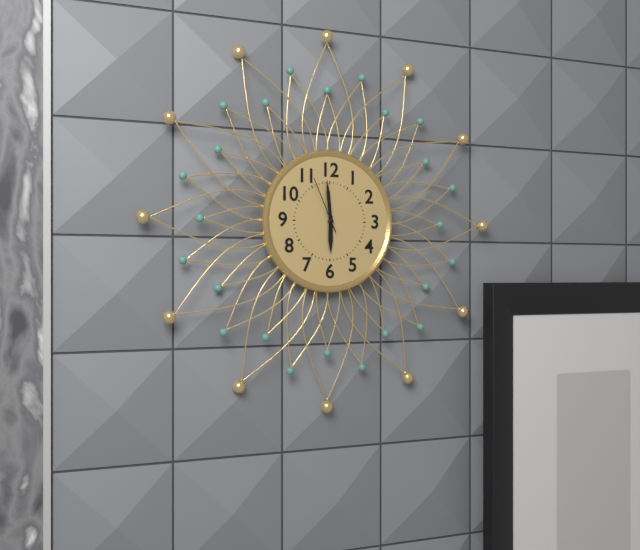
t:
5:59:56
